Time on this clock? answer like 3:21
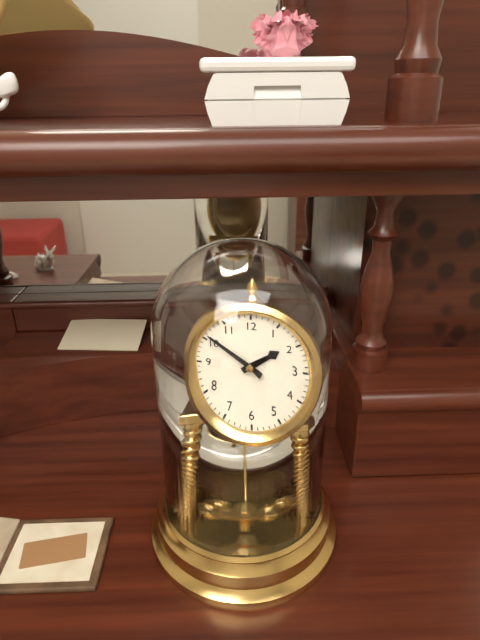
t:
1:51
